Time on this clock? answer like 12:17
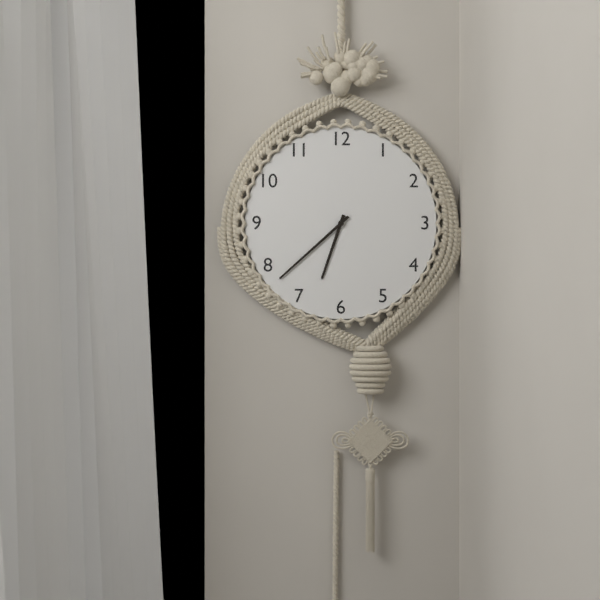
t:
6:38
